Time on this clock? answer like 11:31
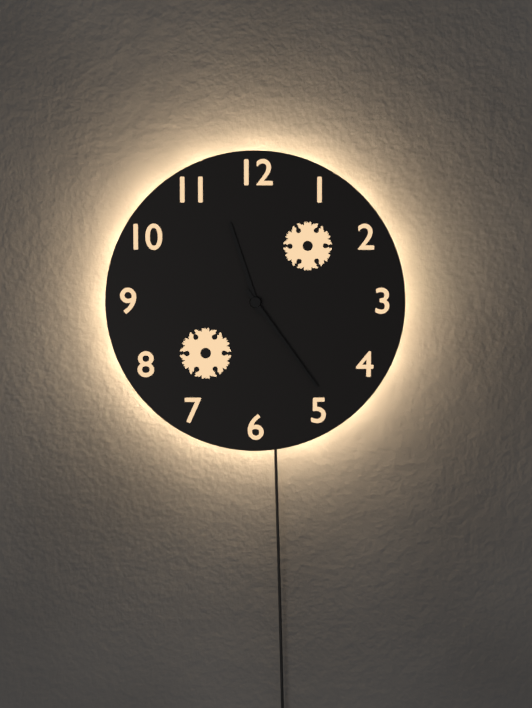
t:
11:24
